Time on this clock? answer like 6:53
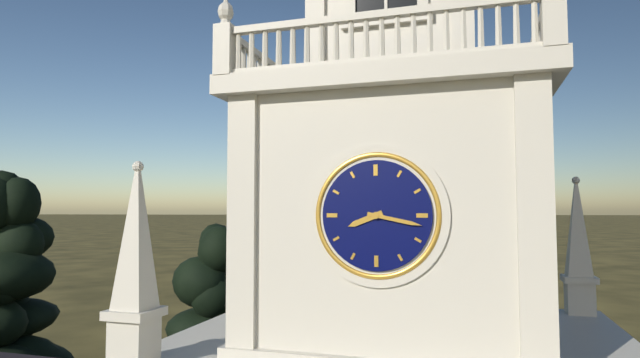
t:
8:17
